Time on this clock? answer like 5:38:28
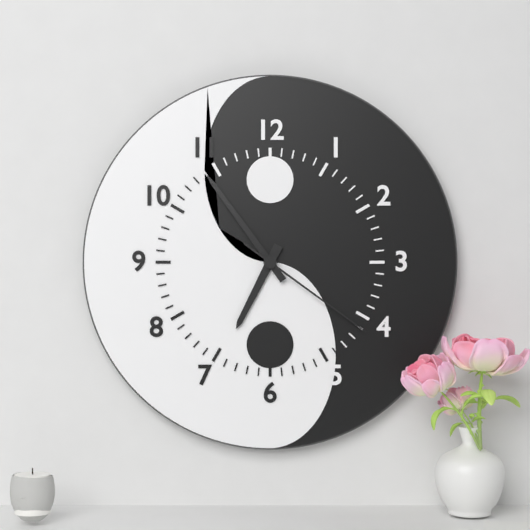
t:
6:54:21
